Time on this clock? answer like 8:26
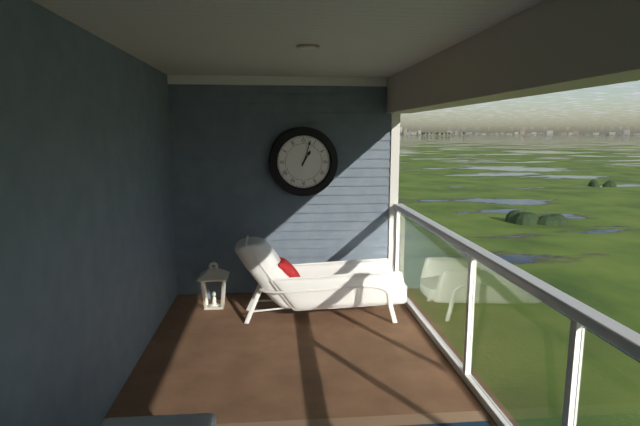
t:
1:03
